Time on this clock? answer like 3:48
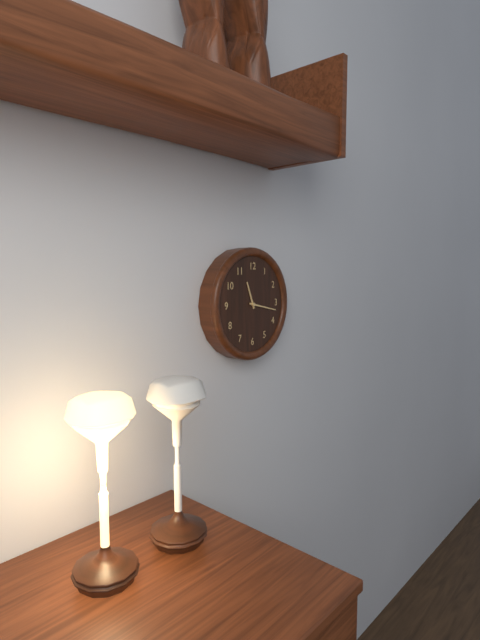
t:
11:17
